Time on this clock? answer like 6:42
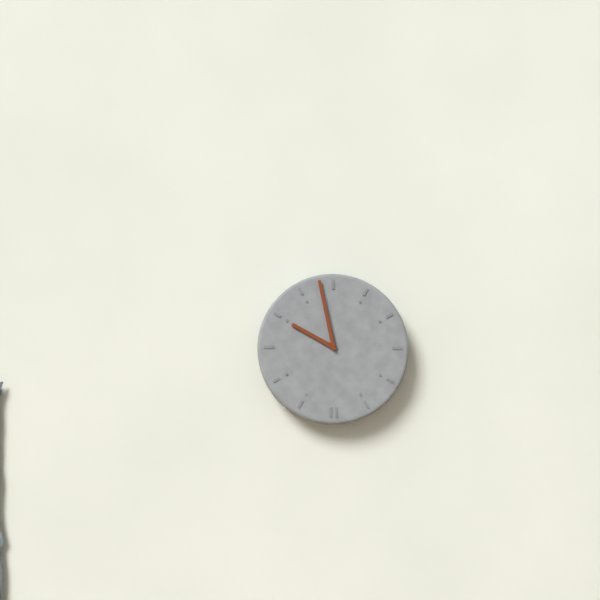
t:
9:58
